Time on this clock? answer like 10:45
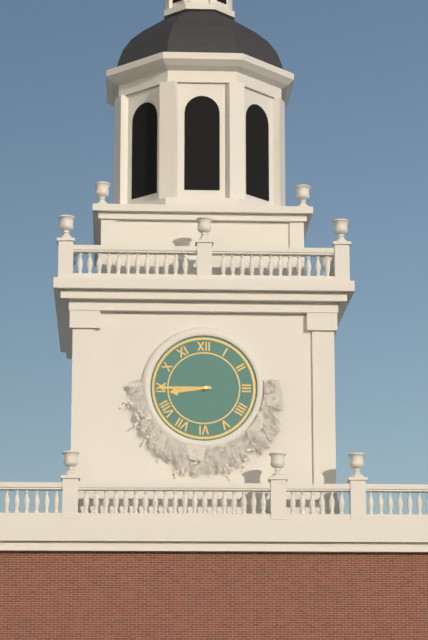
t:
8:45
